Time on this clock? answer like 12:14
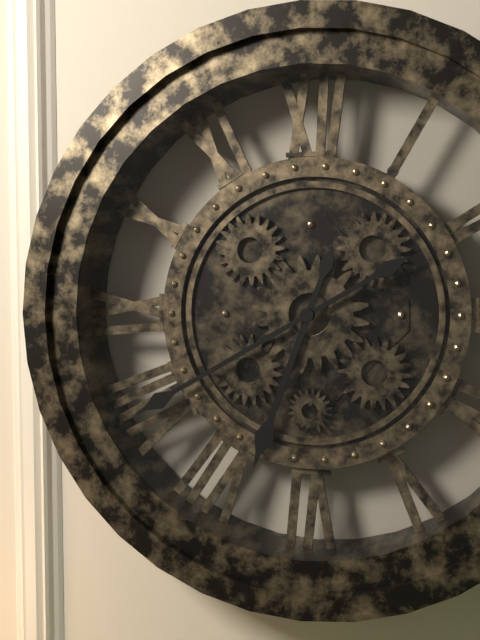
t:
6:40
